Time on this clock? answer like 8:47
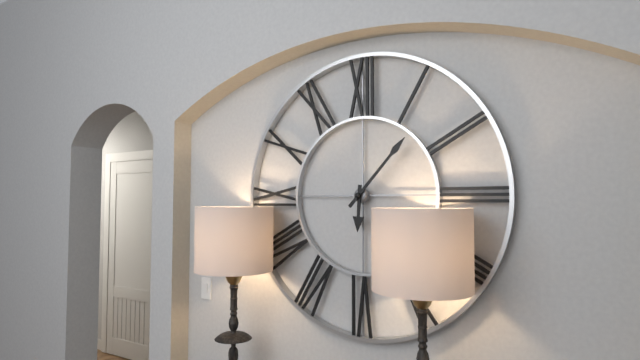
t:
6:07
